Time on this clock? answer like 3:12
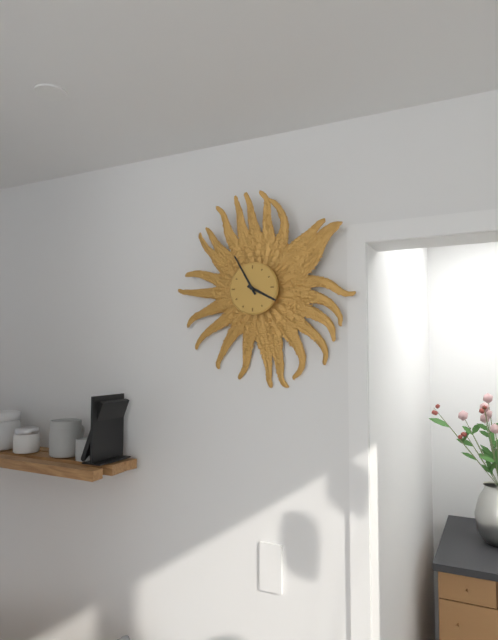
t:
3:55
